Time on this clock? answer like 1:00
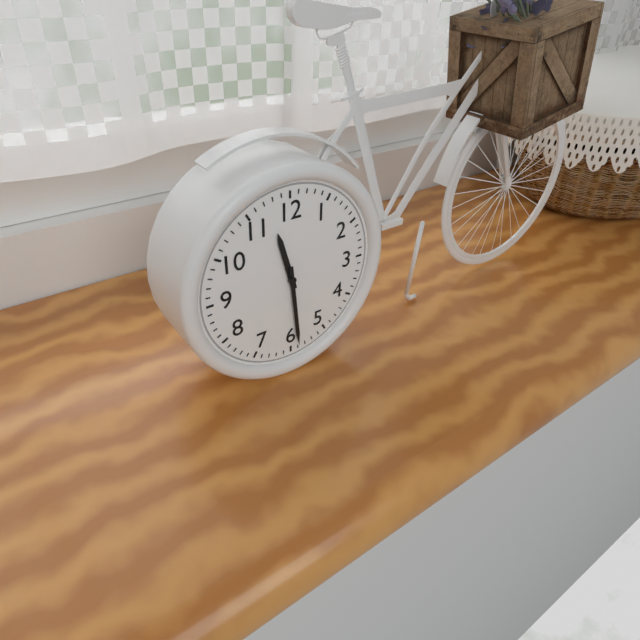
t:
11:29
